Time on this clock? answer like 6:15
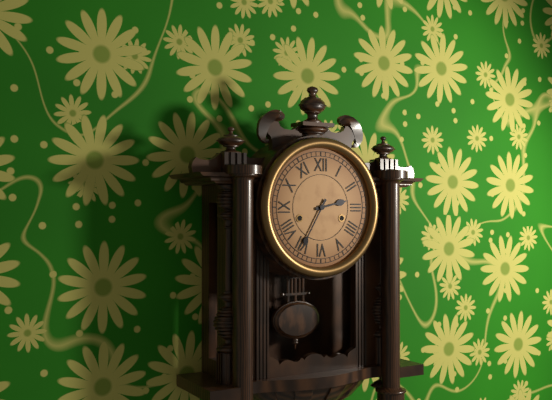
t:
2:35
